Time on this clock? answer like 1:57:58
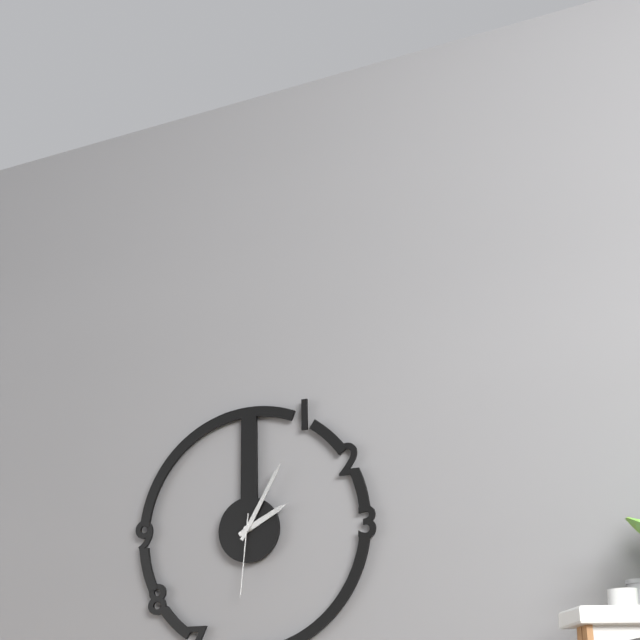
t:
2:05:31
